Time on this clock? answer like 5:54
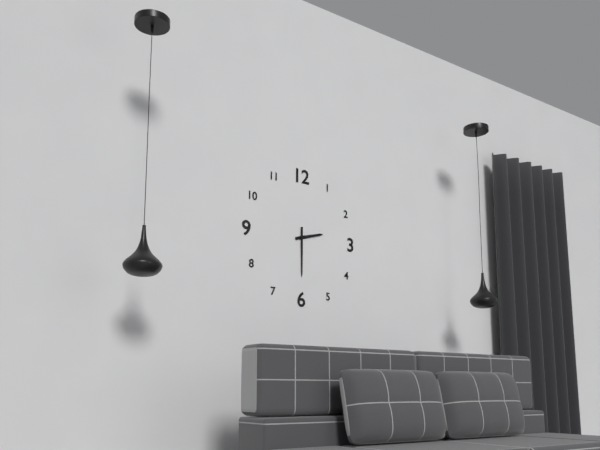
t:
2:30
